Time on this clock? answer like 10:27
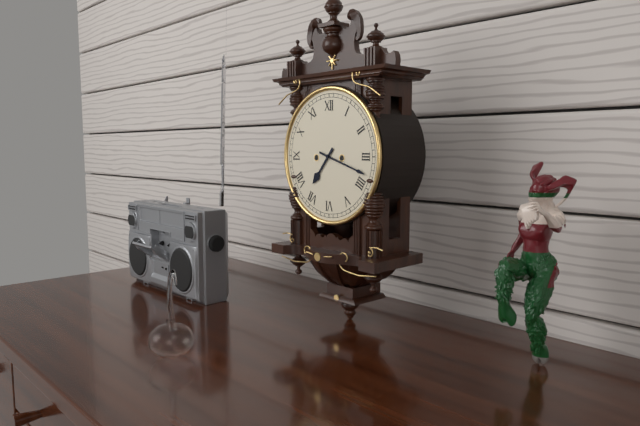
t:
7:18
